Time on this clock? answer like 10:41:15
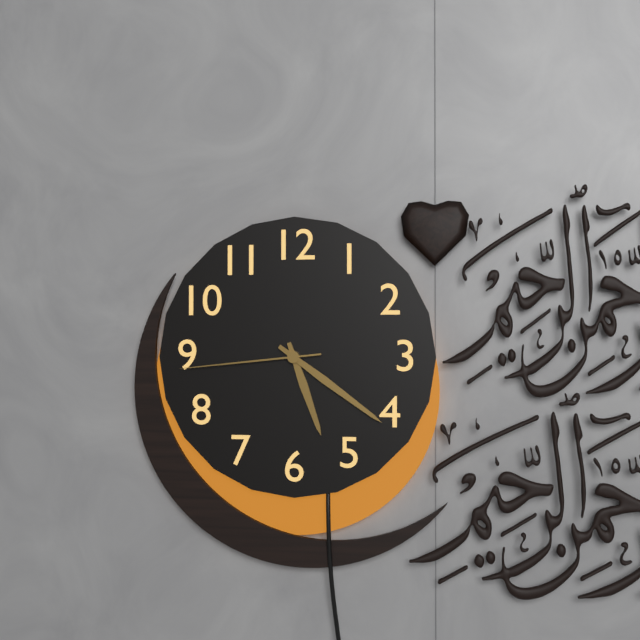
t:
5:21:44
